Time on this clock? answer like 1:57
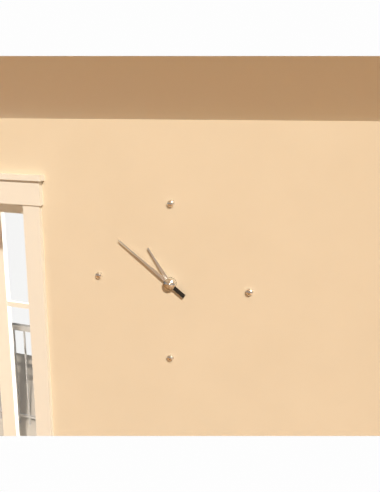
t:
10:51
